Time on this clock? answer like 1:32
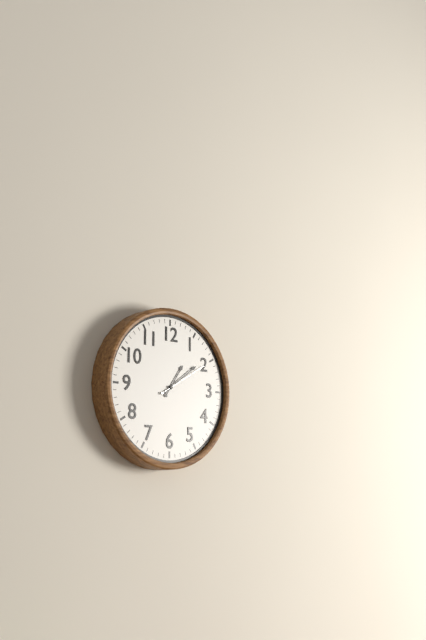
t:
1:09
